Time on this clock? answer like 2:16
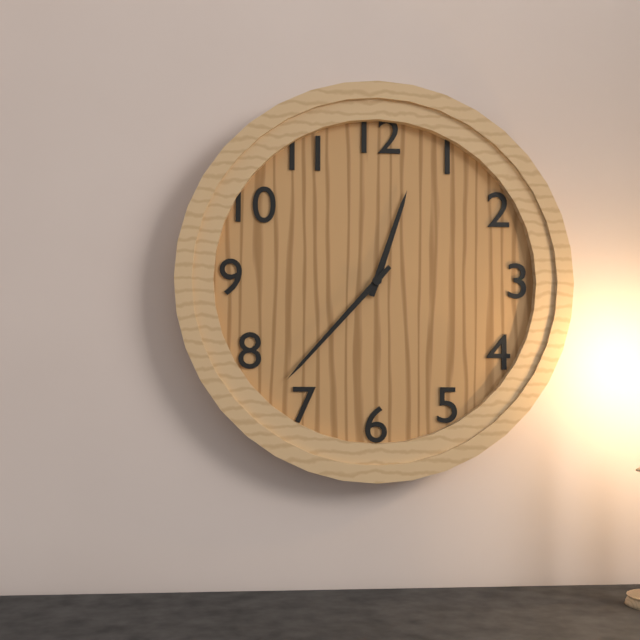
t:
12:37
